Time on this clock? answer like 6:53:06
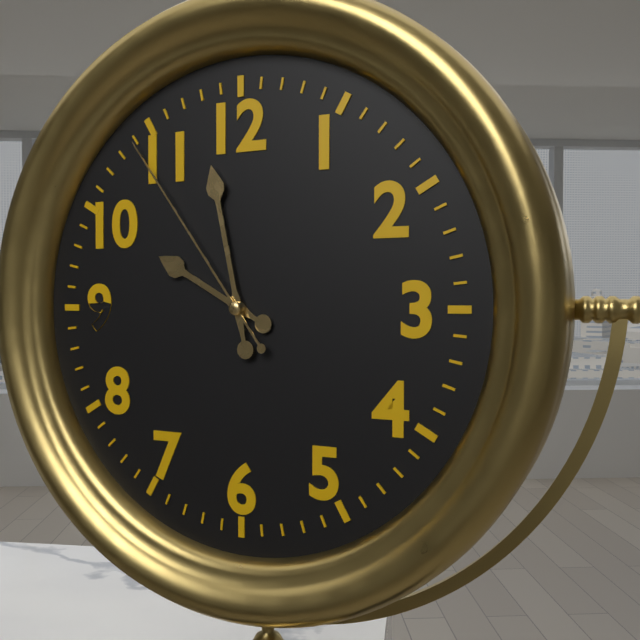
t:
9:58:54
